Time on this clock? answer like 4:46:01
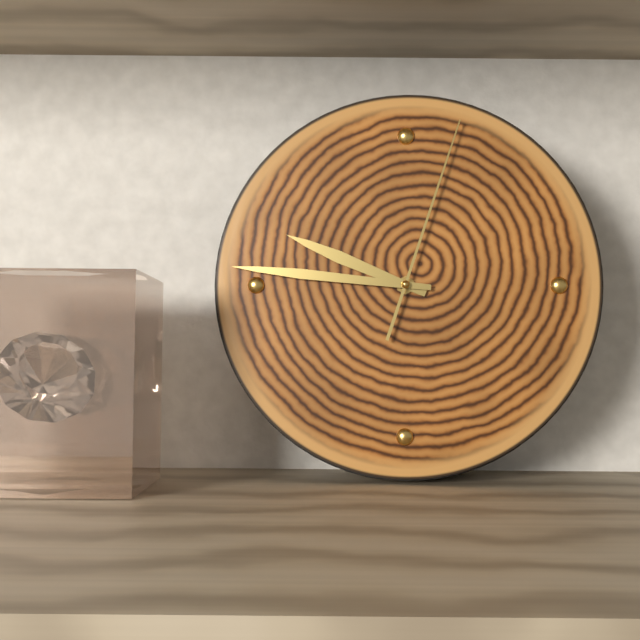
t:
9:46:03
